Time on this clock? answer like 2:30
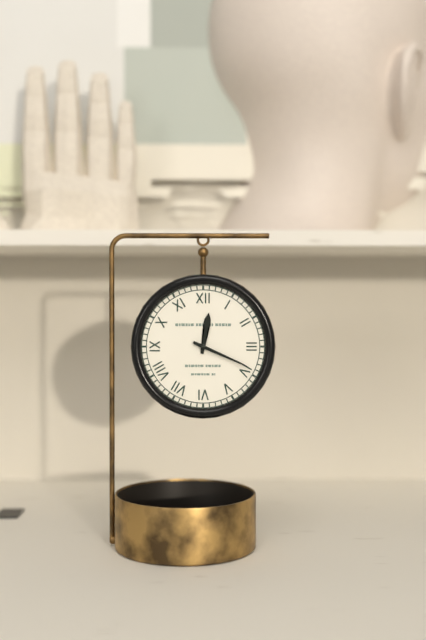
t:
12:19
